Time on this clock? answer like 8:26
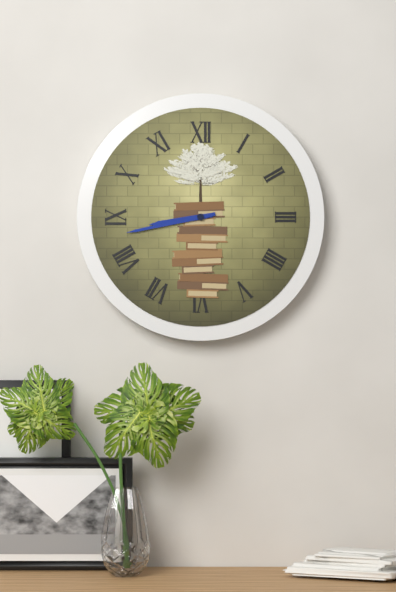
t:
8:43
